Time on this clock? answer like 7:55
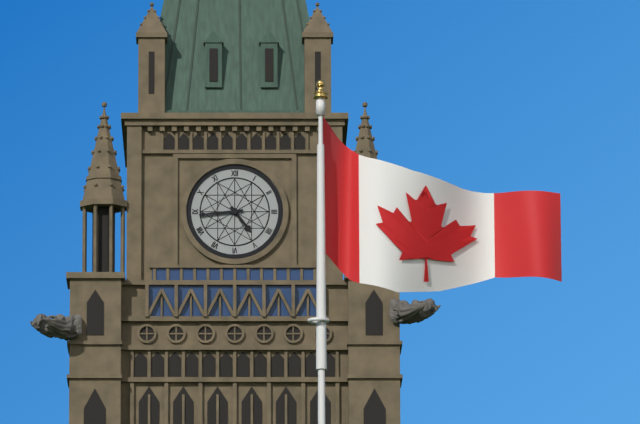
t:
4:44
